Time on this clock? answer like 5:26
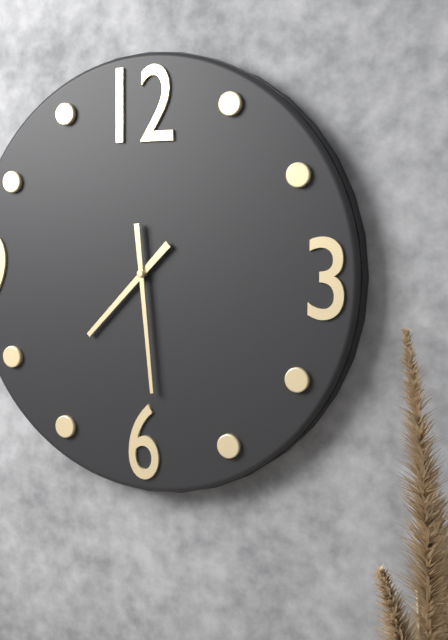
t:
7:29
